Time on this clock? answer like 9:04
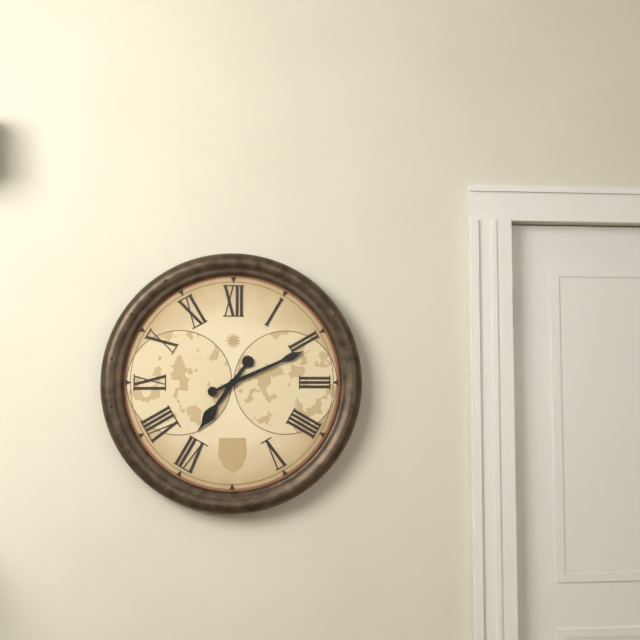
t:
7:11
